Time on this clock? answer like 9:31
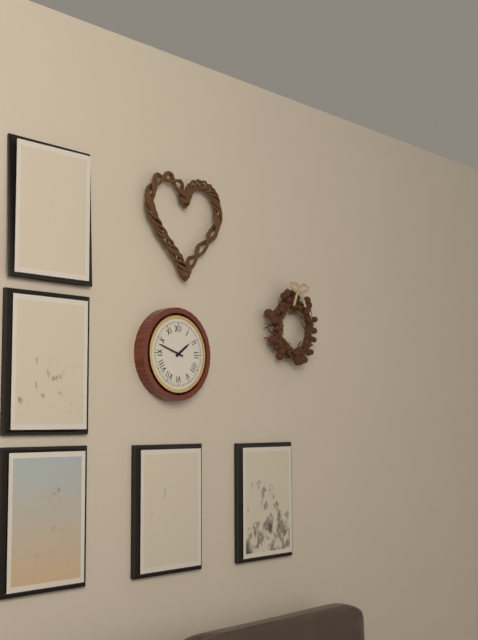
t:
1:48
